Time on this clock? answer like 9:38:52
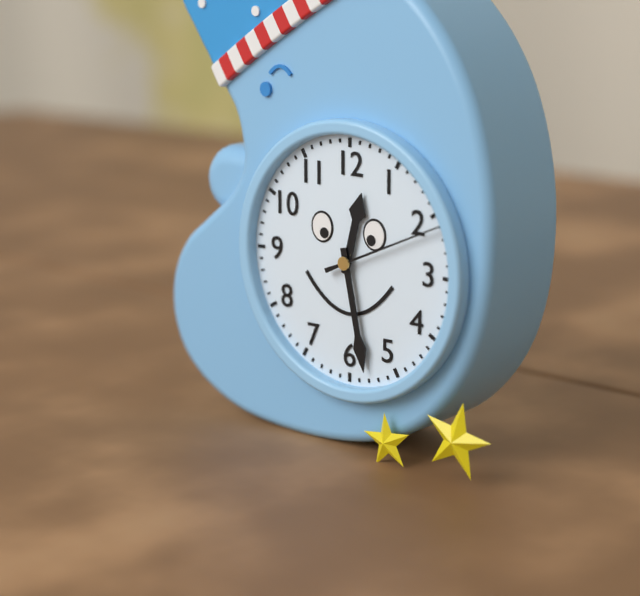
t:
12:28:11
